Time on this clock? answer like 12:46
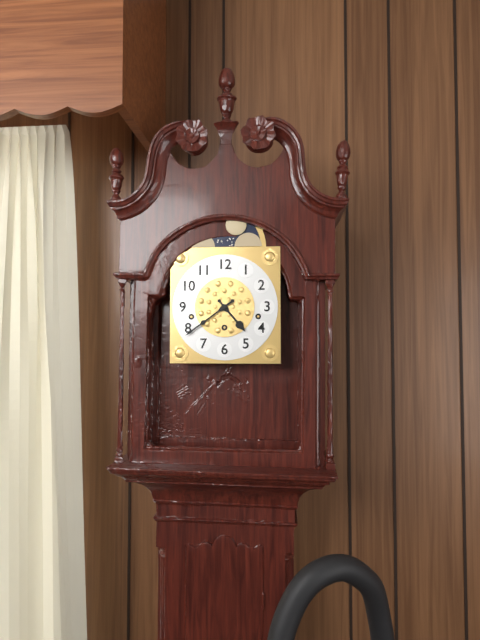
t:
4:39
